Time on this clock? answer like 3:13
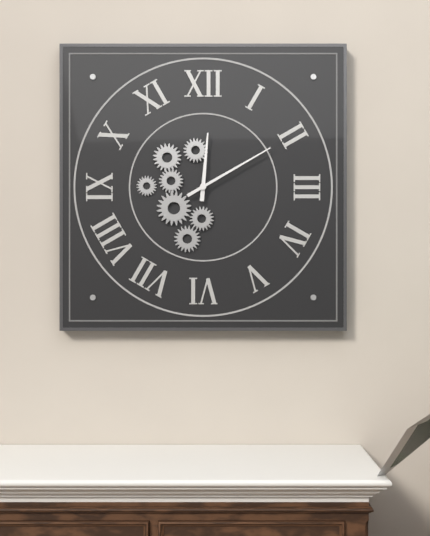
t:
12:10
